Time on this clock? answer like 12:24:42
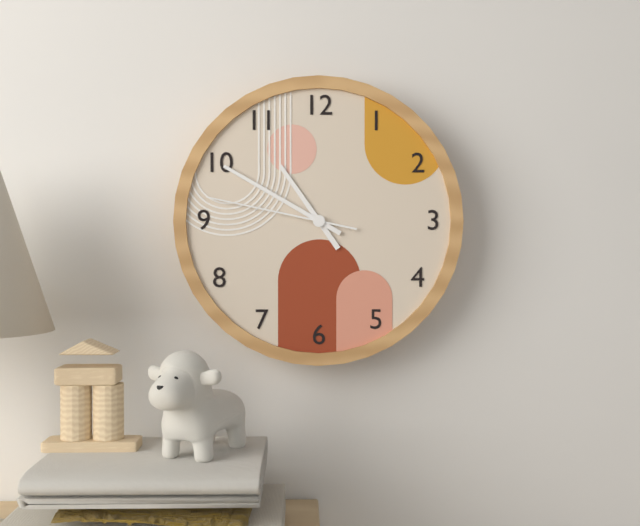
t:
10:50:47
